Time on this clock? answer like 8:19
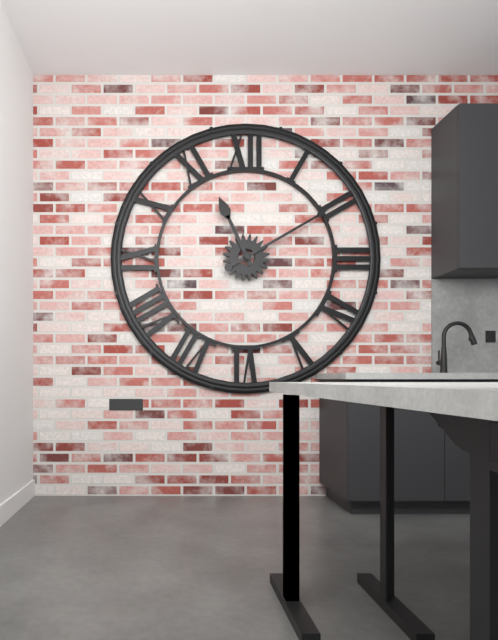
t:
11:10
